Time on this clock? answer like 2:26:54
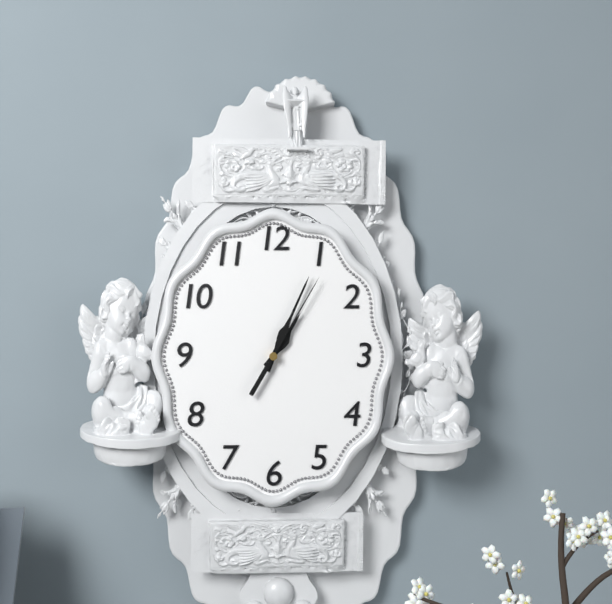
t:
1:04:05
